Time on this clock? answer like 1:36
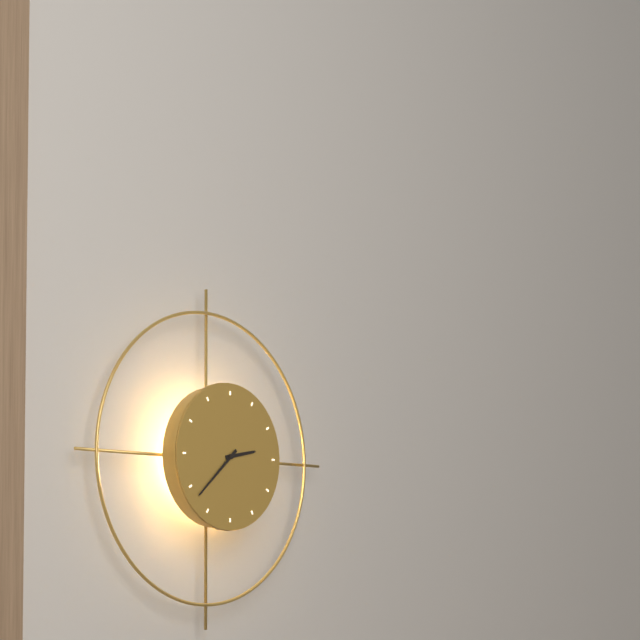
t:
2:38
